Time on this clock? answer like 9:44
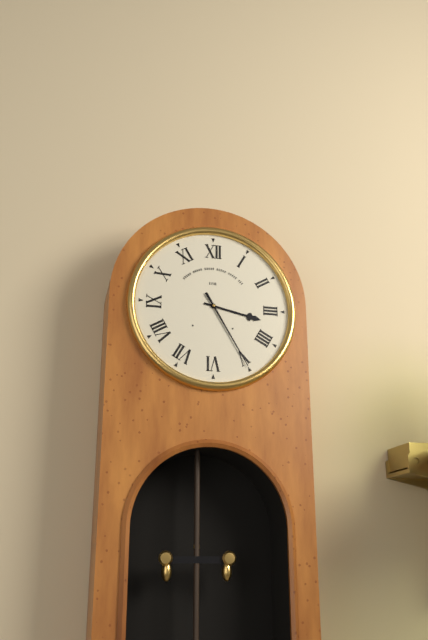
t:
3:25
